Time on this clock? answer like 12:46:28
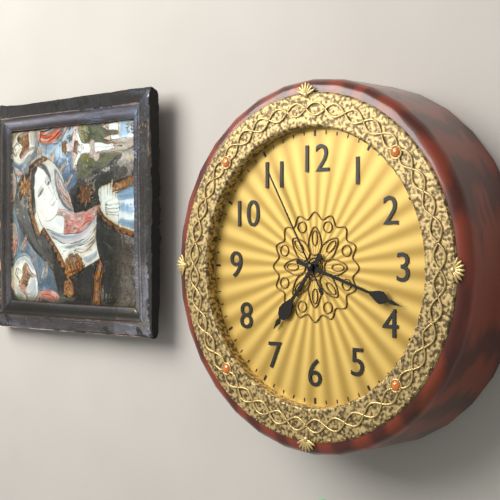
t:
7:18:55
